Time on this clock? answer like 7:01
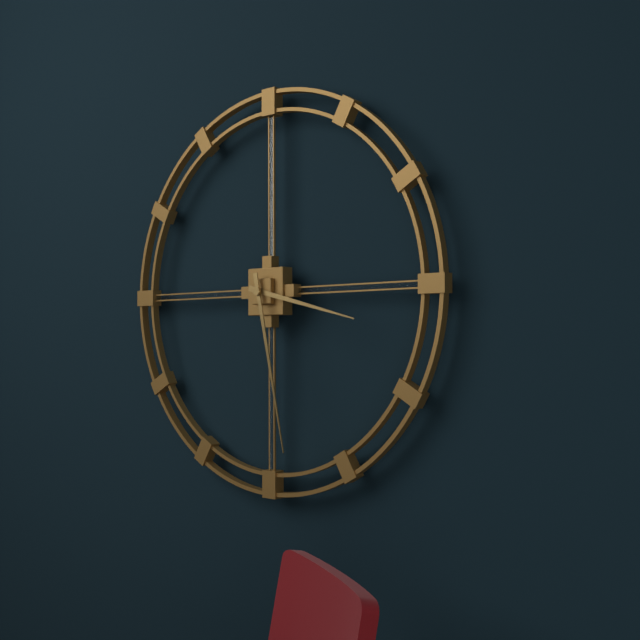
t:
3:28
